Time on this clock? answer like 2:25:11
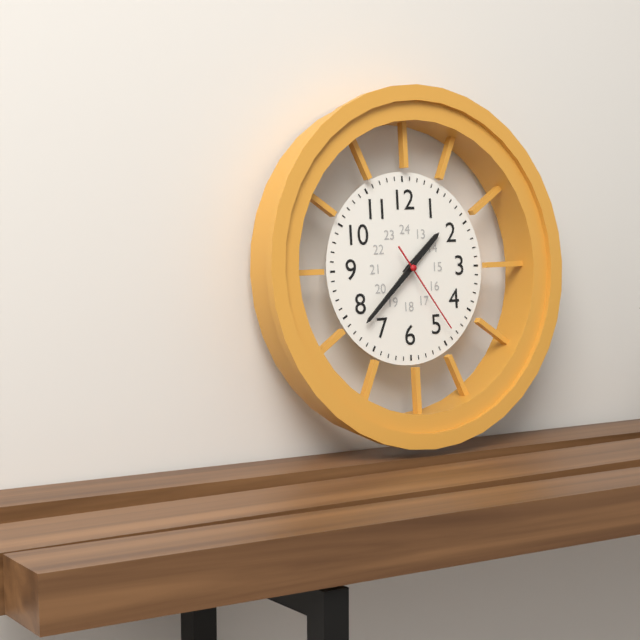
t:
1:38:24
